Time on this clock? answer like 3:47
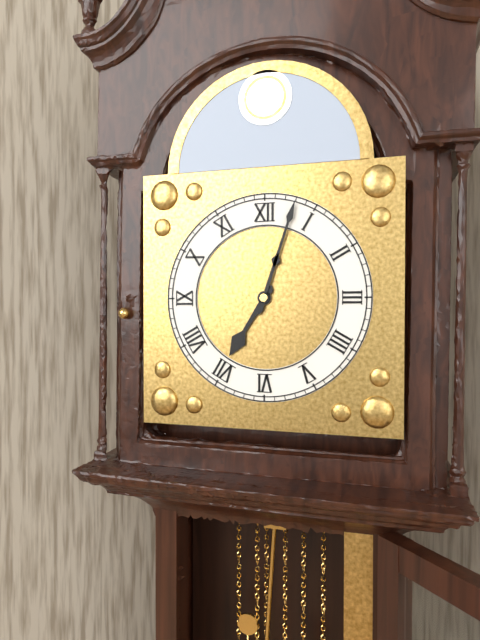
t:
7:03
